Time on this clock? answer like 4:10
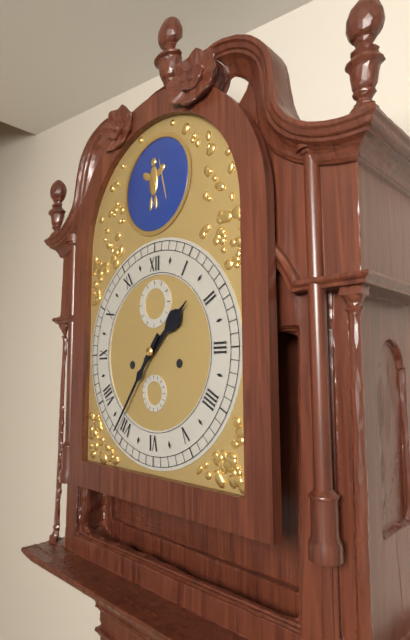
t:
1:36
